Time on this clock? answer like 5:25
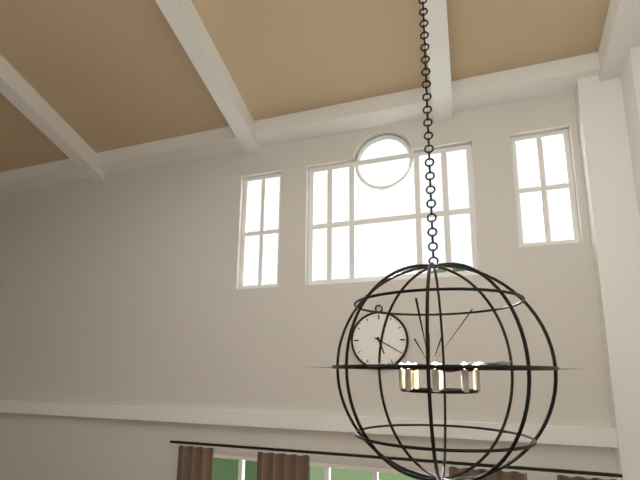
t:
5:20
